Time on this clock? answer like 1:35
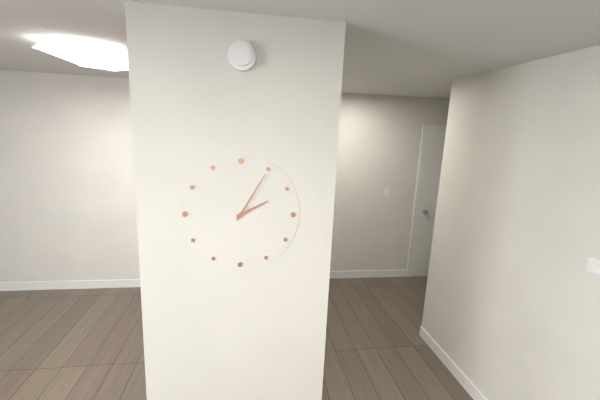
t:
2:05
